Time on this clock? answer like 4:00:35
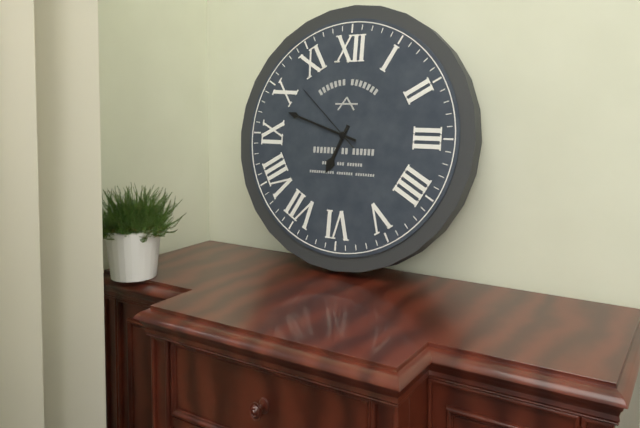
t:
6:48:52
